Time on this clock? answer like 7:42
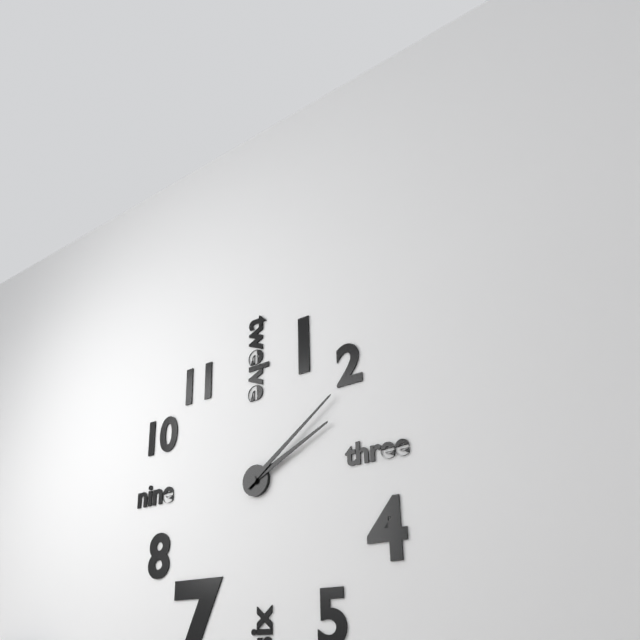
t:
2:09
